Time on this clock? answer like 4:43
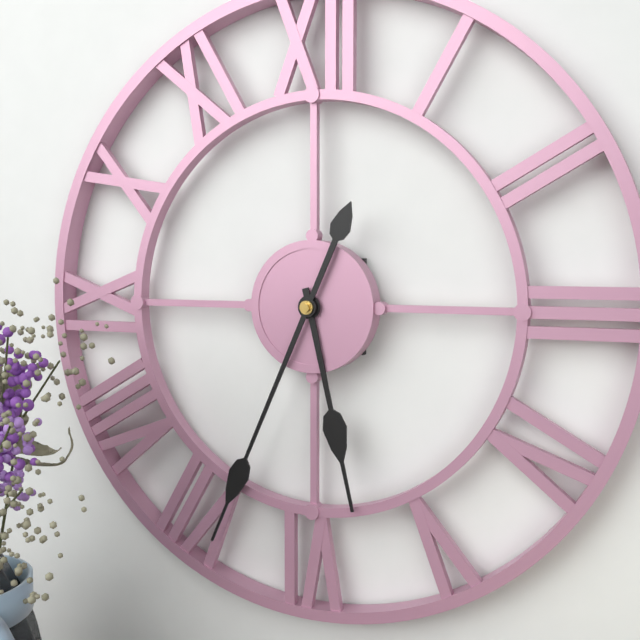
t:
5:34
